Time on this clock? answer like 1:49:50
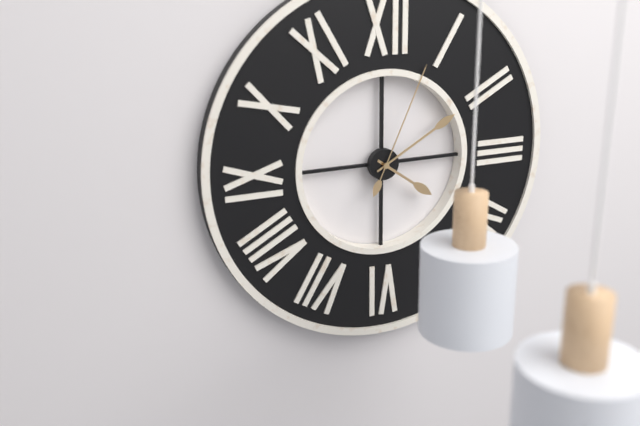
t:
4:10:04
